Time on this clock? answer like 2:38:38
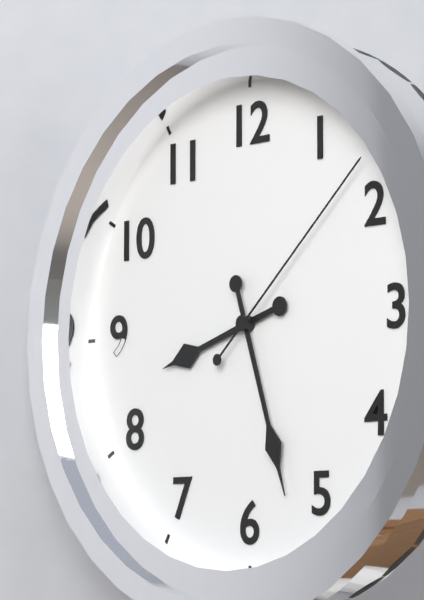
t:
8:27:08
